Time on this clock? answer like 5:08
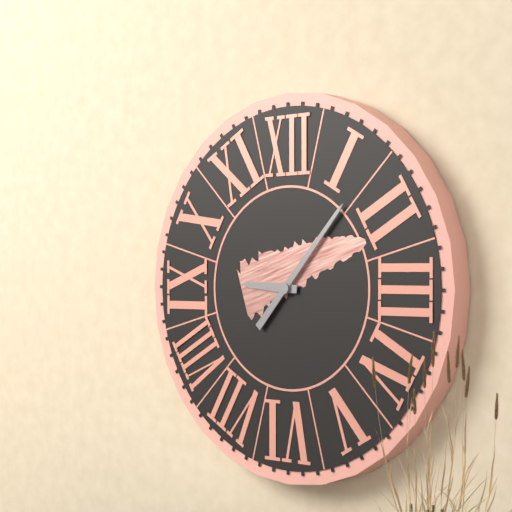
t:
9:07
